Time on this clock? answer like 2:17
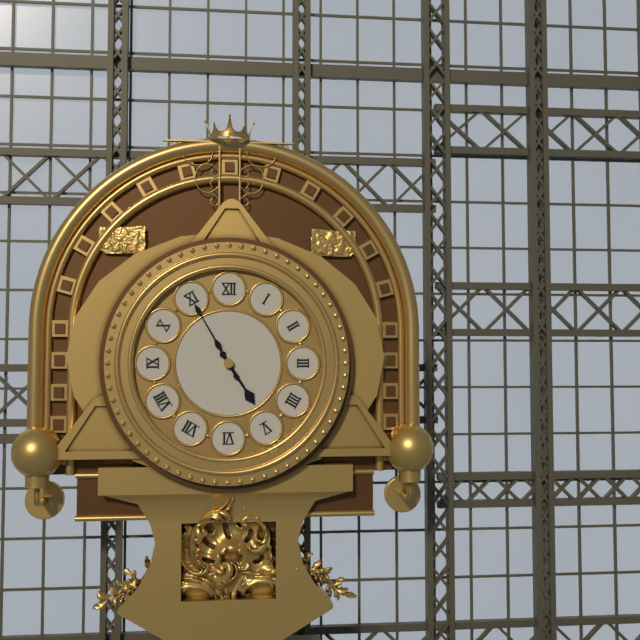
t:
4:55
